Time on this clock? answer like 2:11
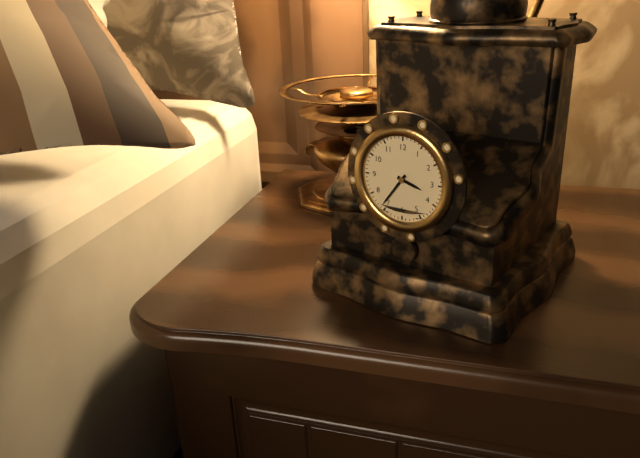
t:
3:36
